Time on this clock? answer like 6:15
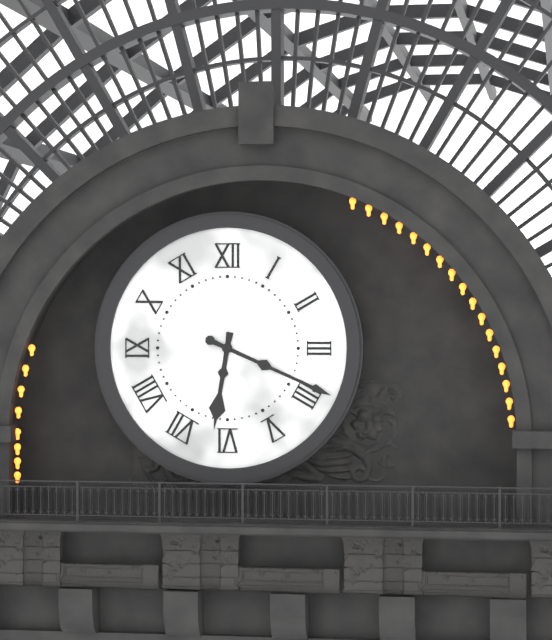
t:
6:19
